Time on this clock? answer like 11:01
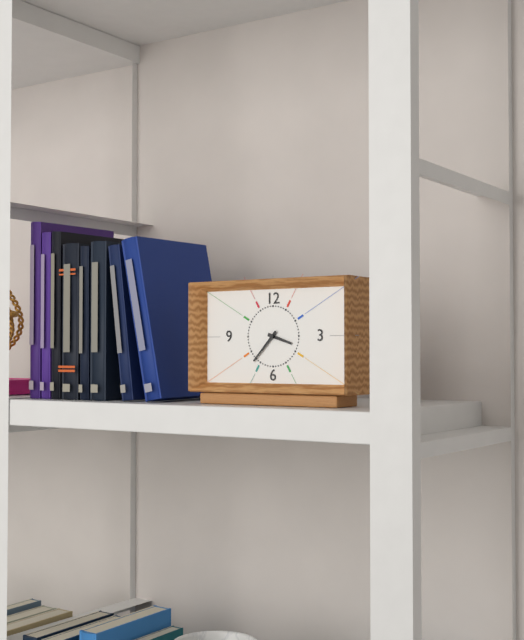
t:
3:37
